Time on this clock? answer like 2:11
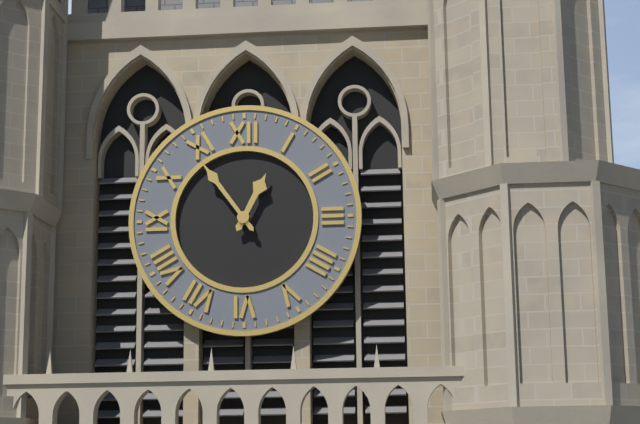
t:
12:54
